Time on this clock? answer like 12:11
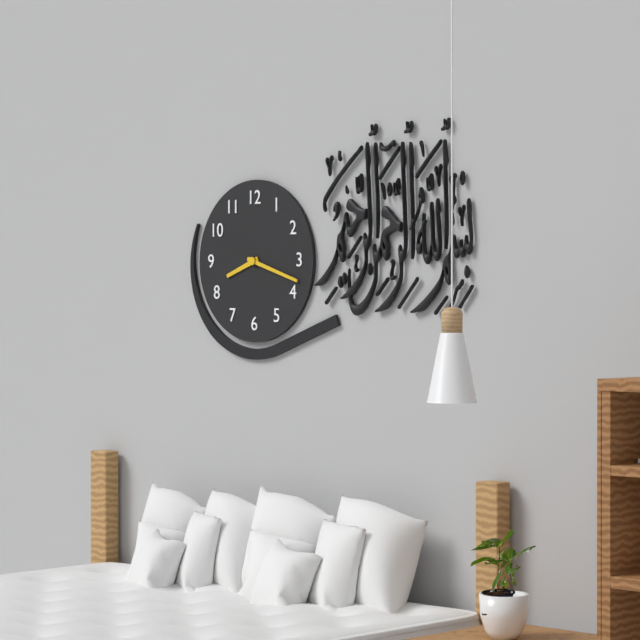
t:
8:18
